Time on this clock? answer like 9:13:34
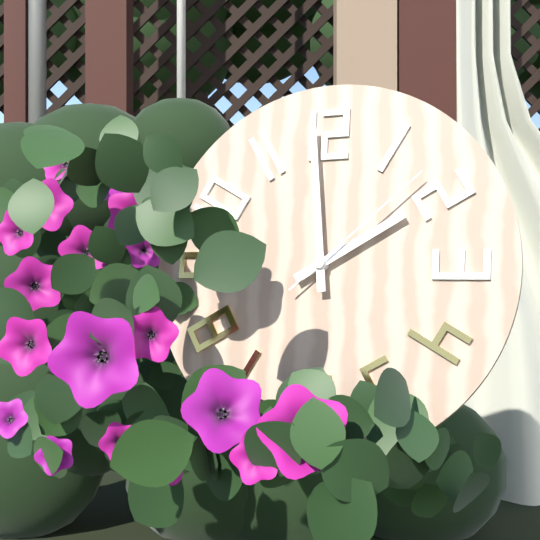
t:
1:59:08
